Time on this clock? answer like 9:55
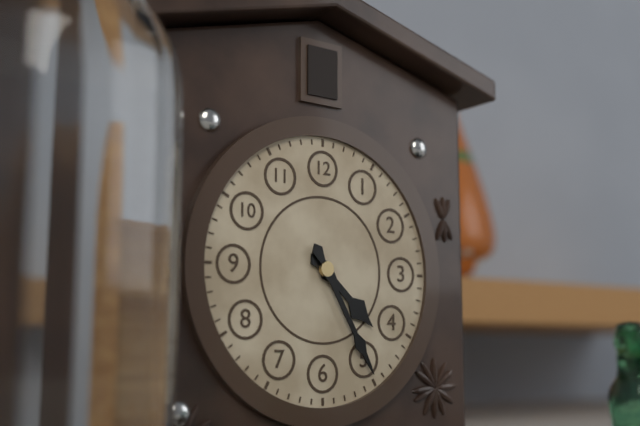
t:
4:25
